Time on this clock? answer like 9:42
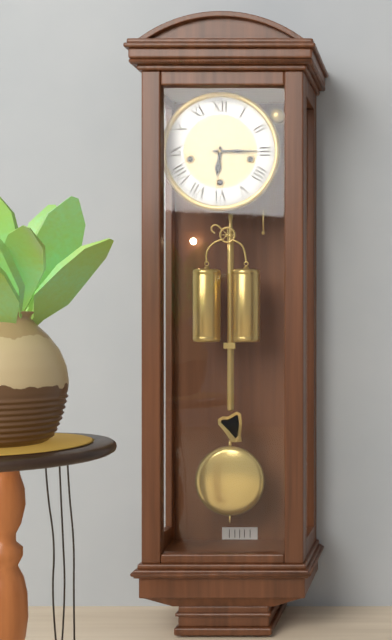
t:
6:15
